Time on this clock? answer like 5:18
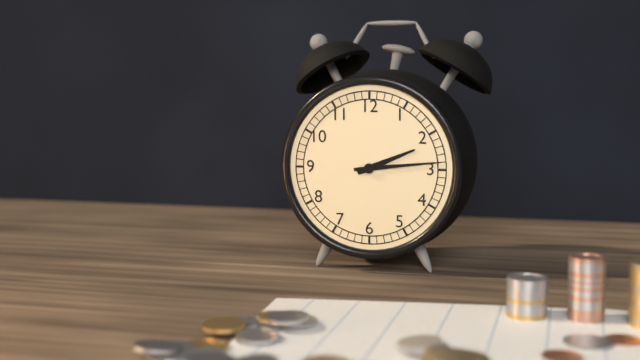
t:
2:14
